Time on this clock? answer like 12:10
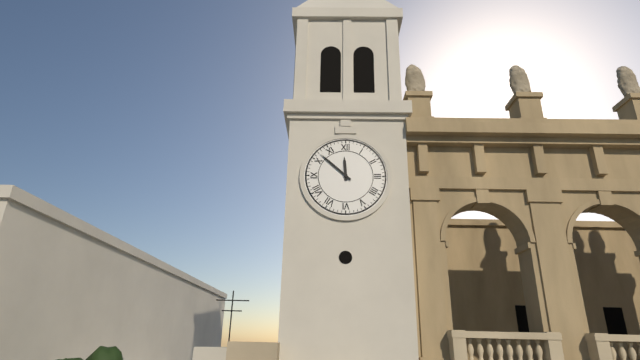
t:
11:52
